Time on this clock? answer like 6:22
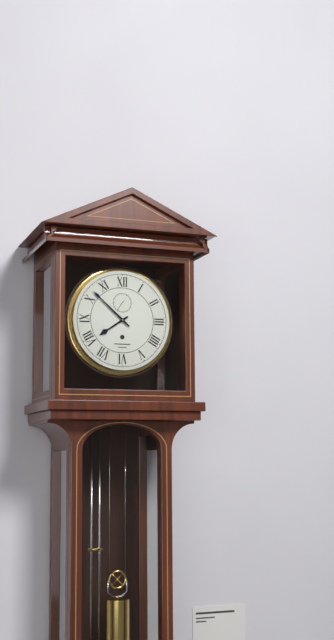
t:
7:52
